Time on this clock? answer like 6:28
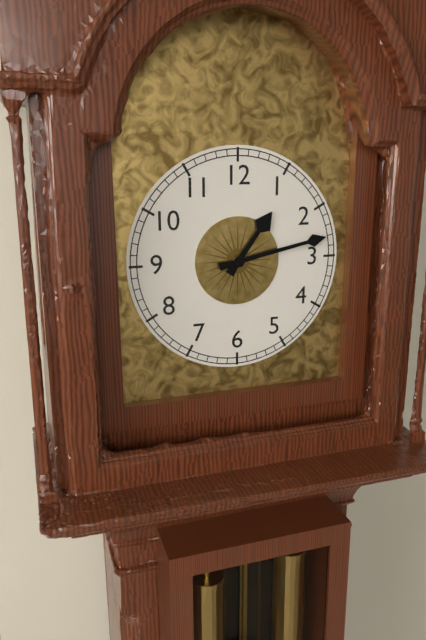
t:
1:13
